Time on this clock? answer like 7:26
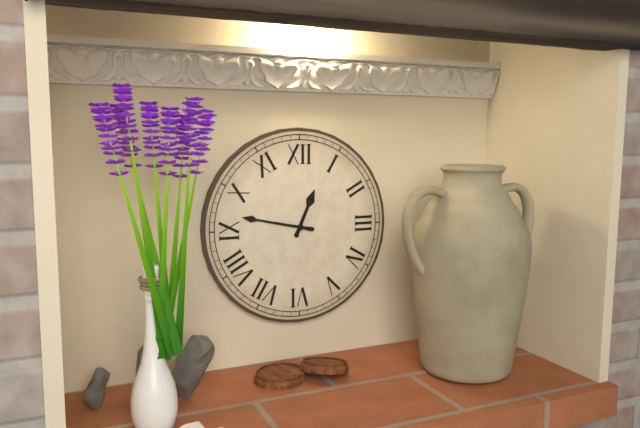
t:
12:47
